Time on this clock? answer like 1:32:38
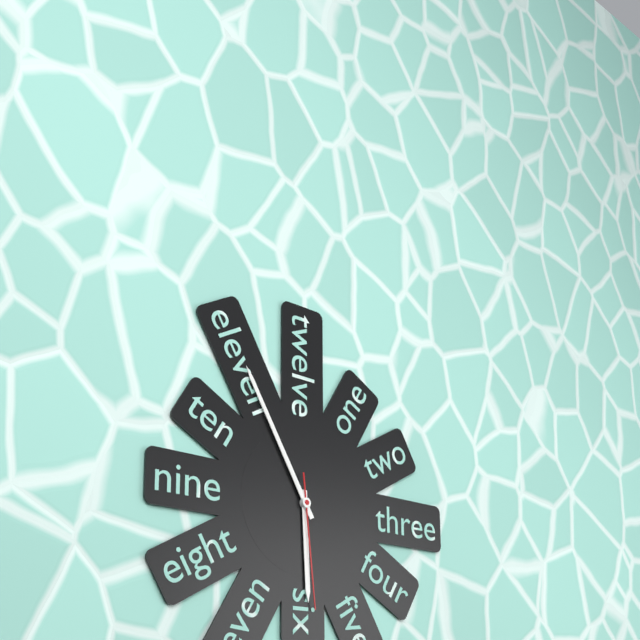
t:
5:55:29
